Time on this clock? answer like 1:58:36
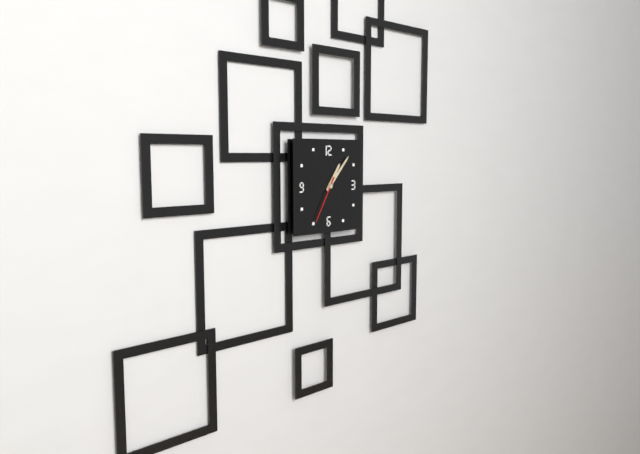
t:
1:07:35
